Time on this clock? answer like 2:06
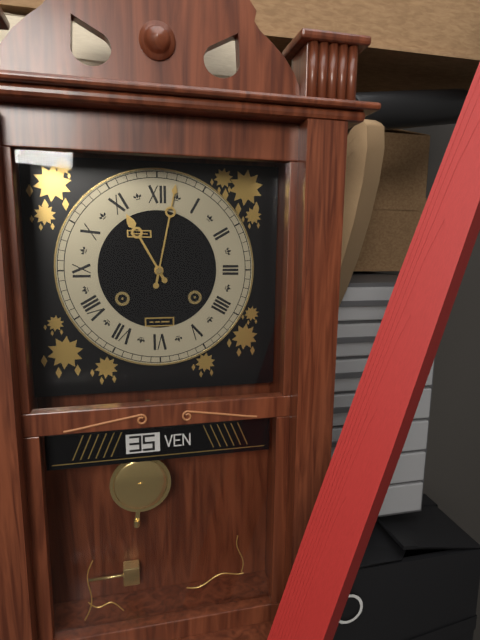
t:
11:02
